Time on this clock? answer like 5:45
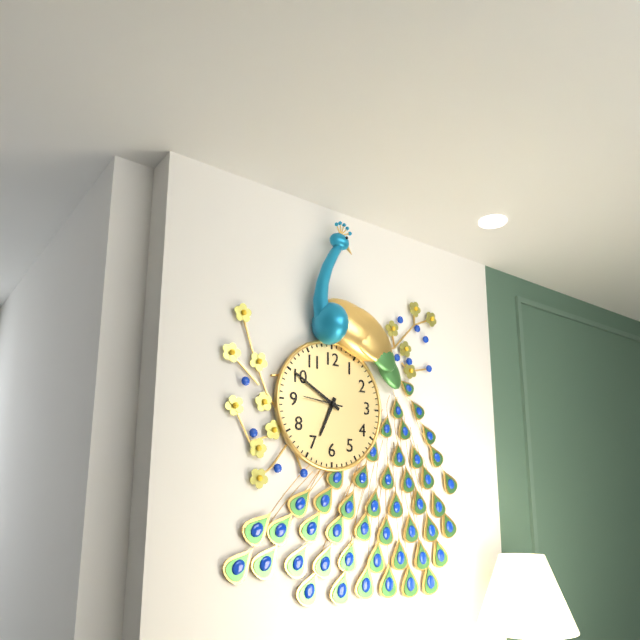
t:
6:50
